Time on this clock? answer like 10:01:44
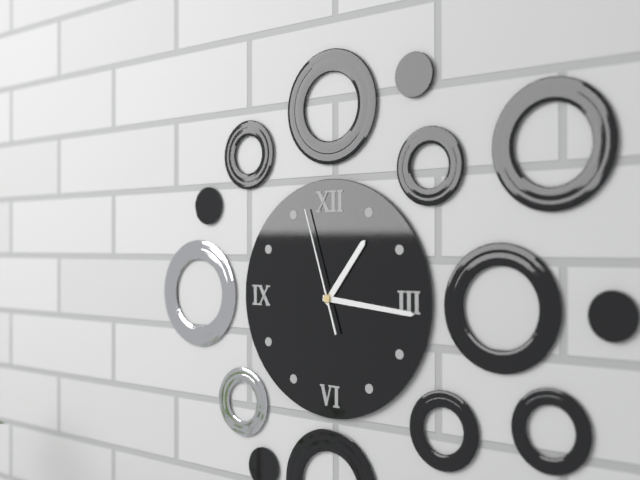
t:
1:16:57
